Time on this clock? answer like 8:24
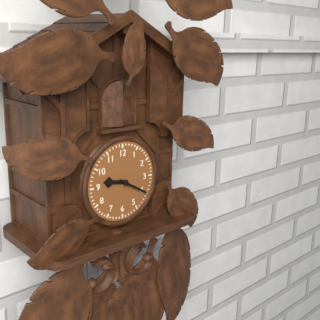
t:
9:20
